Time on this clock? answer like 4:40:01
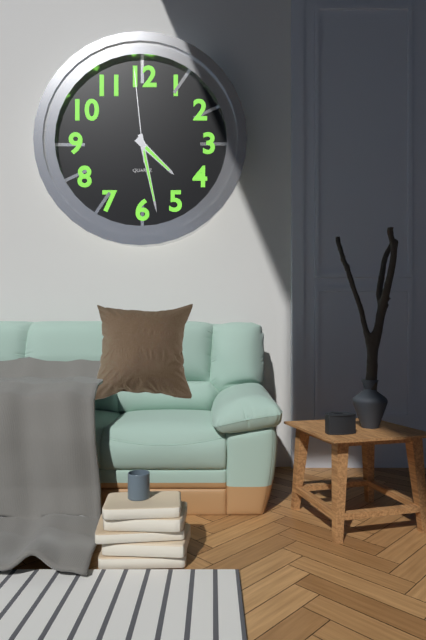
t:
4:28:59
